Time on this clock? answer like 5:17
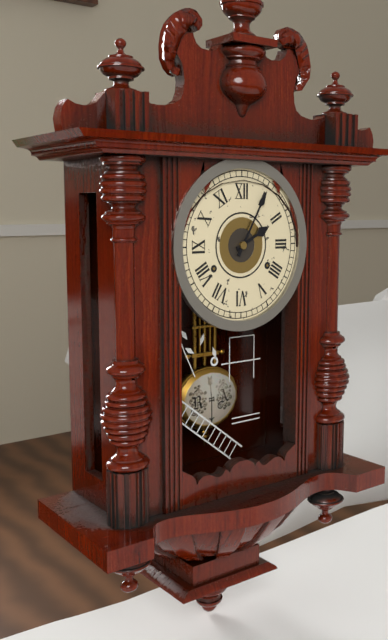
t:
2:05
